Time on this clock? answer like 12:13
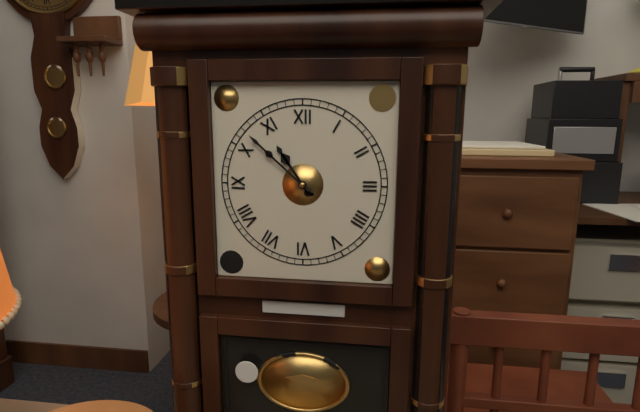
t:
10:52
